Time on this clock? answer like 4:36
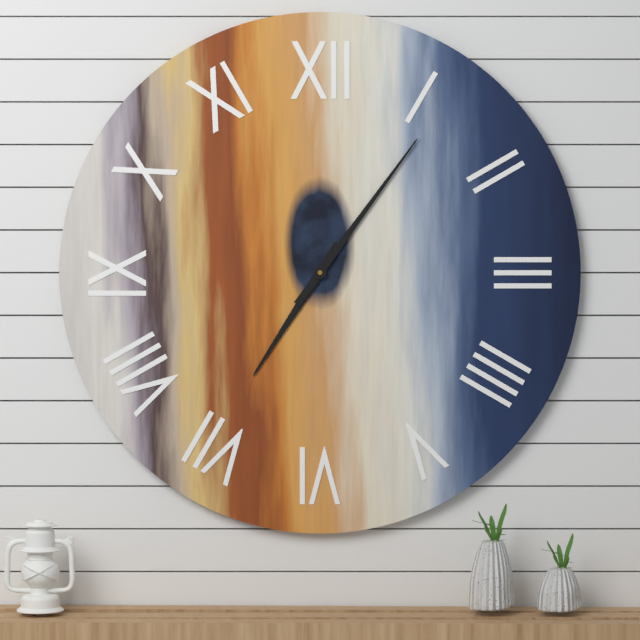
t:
7:06
